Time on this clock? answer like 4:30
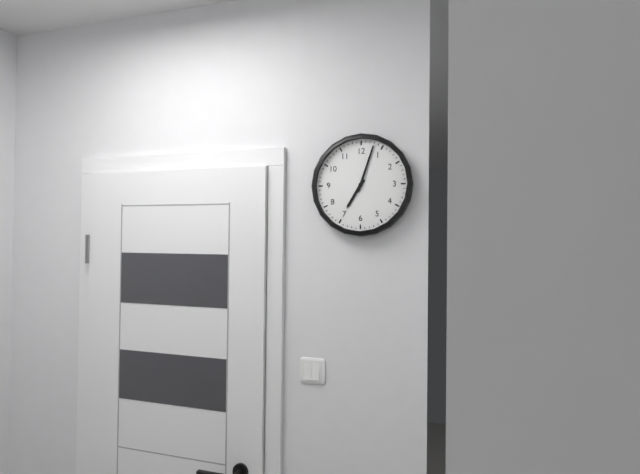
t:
7:03
